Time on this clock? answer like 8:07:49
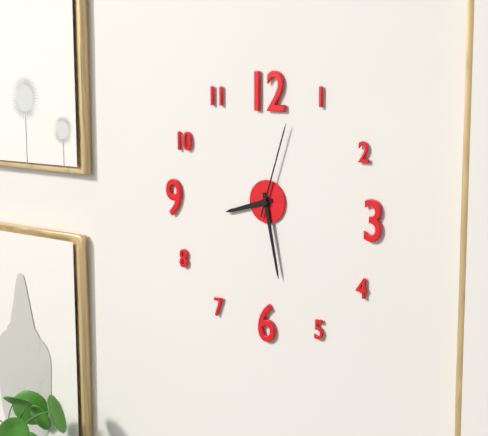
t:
8:28:03
